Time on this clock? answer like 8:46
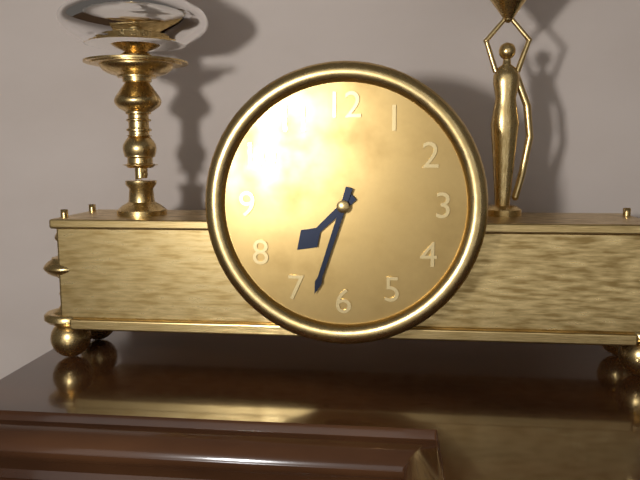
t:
7:33
